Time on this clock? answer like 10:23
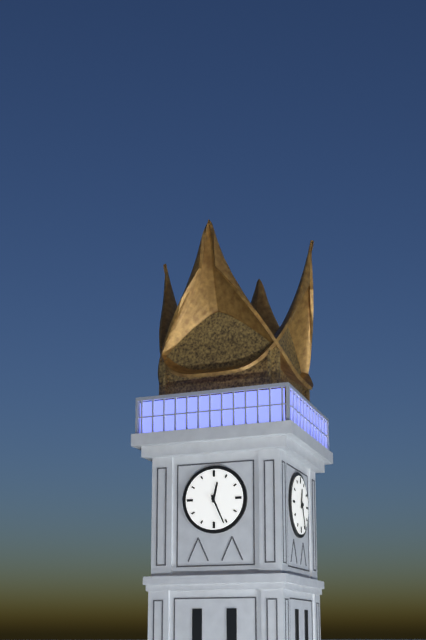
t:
12:26
